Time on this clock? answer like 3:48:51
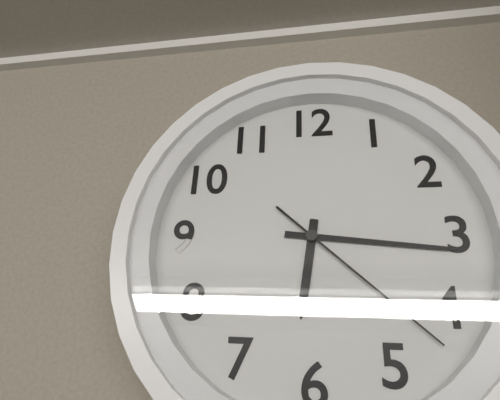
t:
6:16:22
